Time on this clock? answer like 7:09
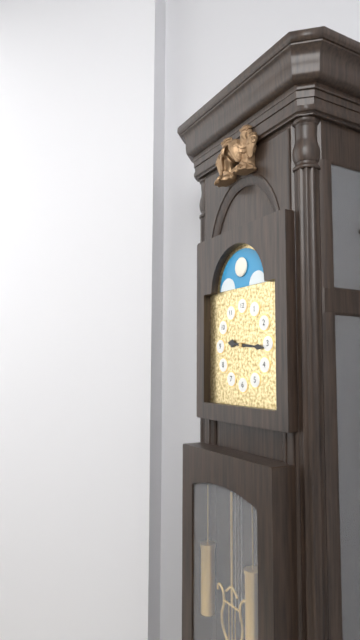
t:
9:16
